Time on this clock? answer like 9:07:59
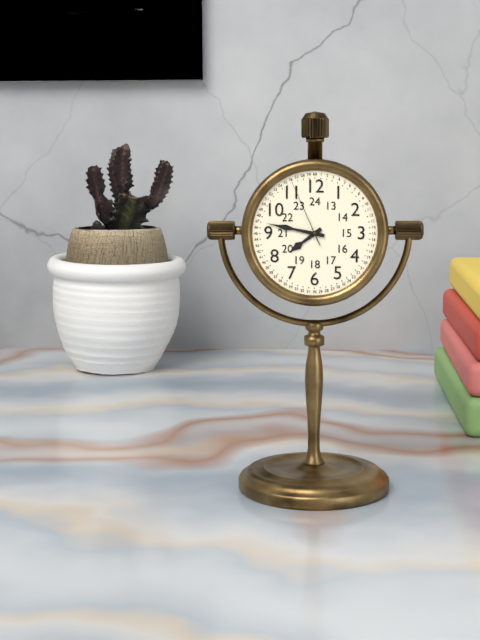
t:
7:47:56
